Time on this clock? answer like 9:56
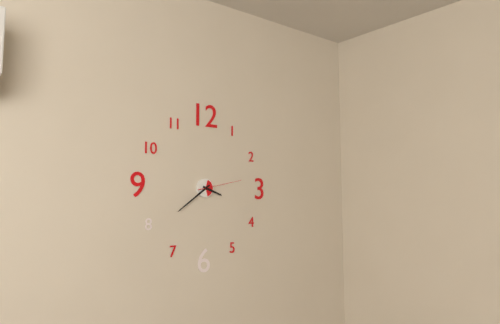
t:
3:39
